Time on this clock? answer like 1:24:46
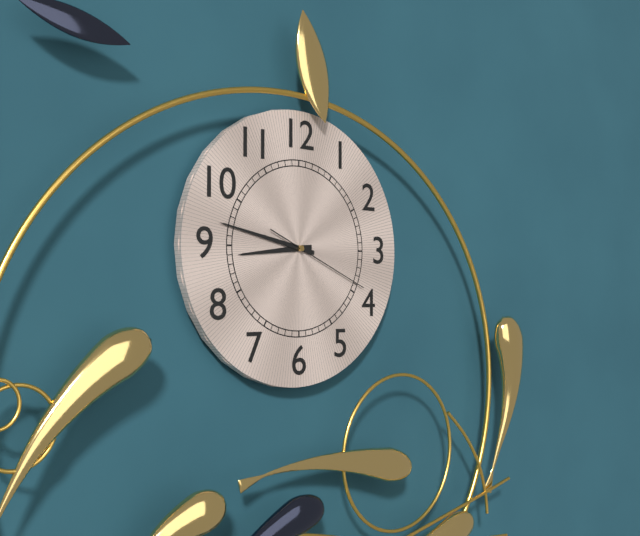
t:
8:47:19
